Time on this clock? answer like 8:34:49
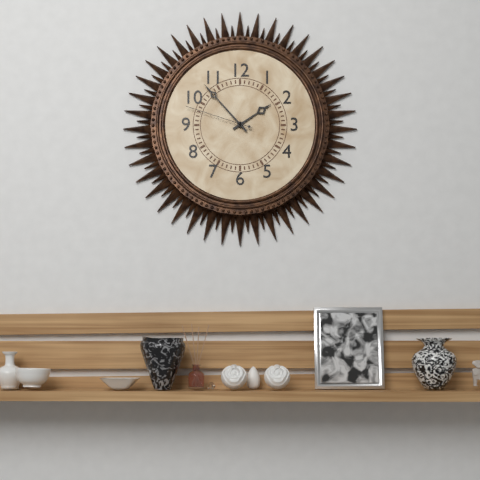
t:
1:53:48
